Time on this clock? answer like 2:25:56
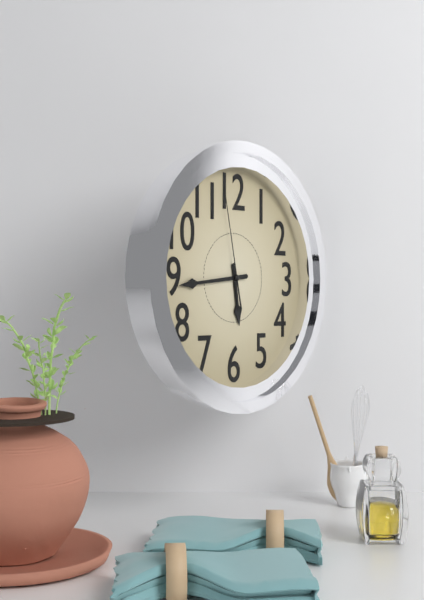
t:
5:44:58
